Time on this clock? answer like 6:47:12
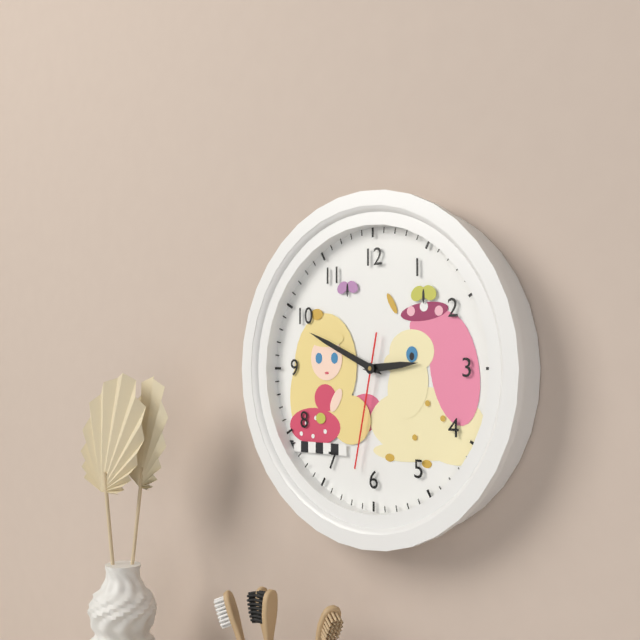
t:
2:49:32
